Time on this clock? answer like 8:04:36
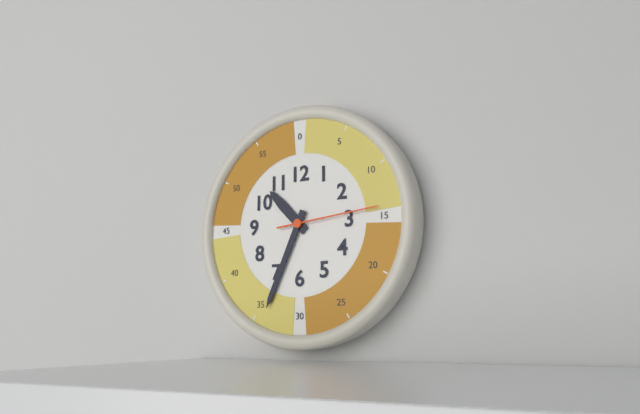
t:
10:34:14
